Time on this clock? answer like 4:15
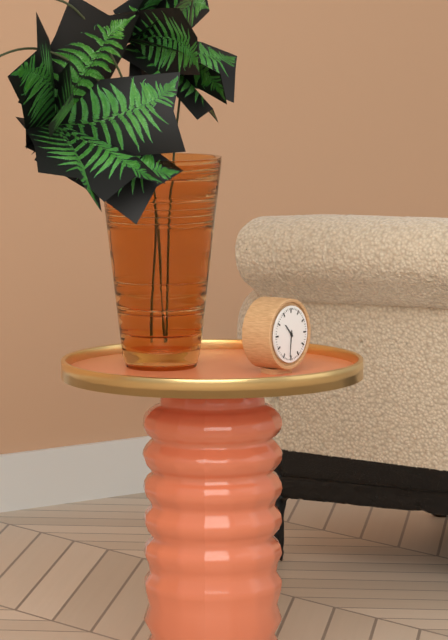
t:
10:31
